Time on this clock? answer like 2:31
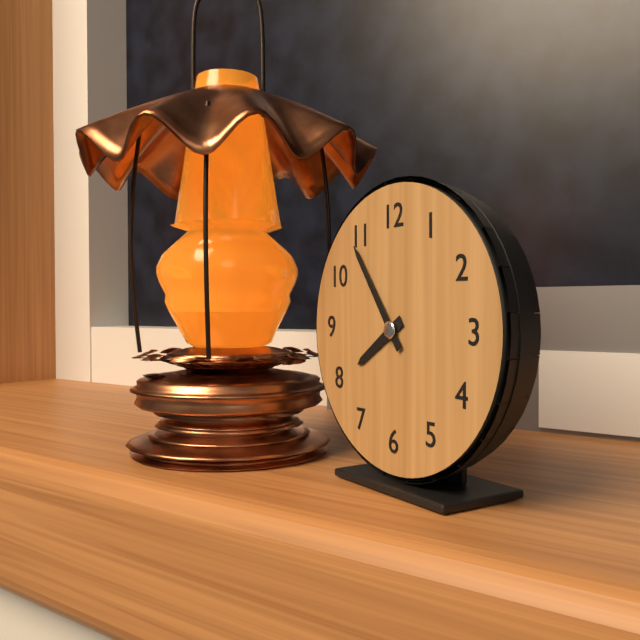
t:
7:54
